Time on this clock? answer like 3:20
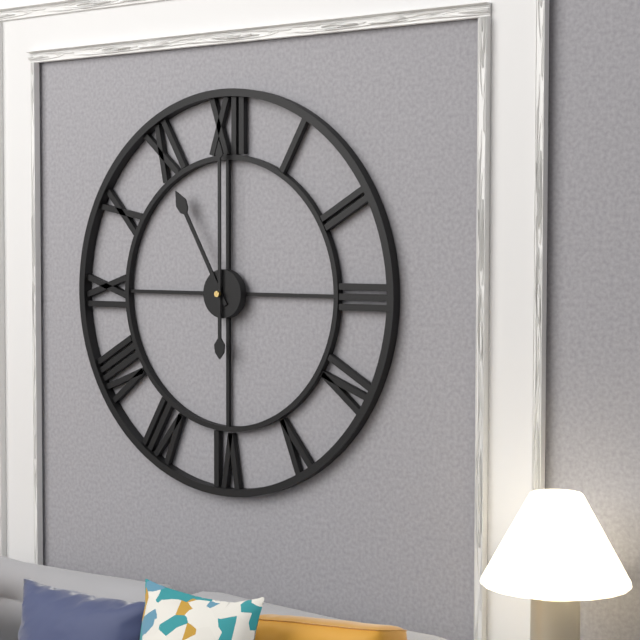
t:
11:00
